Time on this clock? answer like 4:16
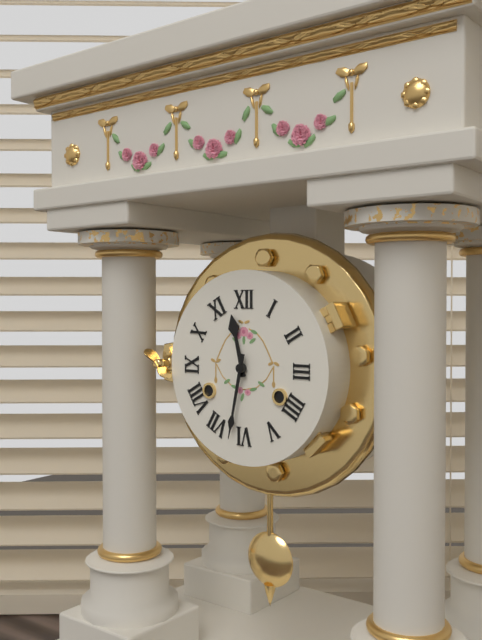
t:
11:32
